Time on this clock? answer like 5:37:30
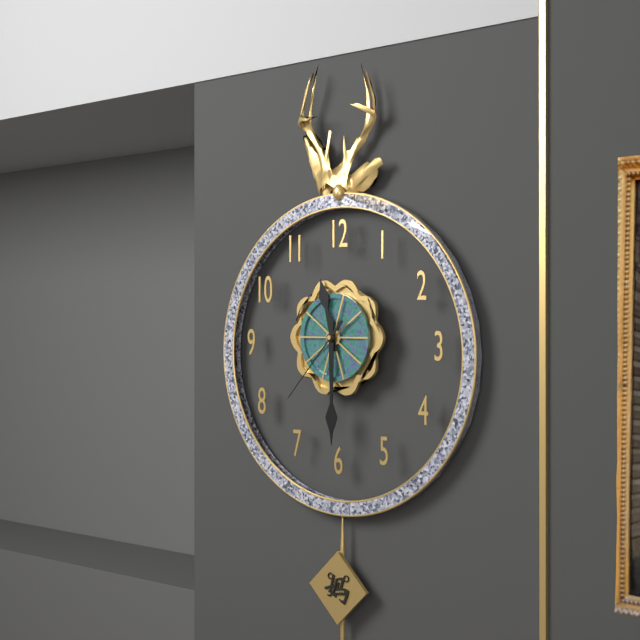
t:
11:30:37
